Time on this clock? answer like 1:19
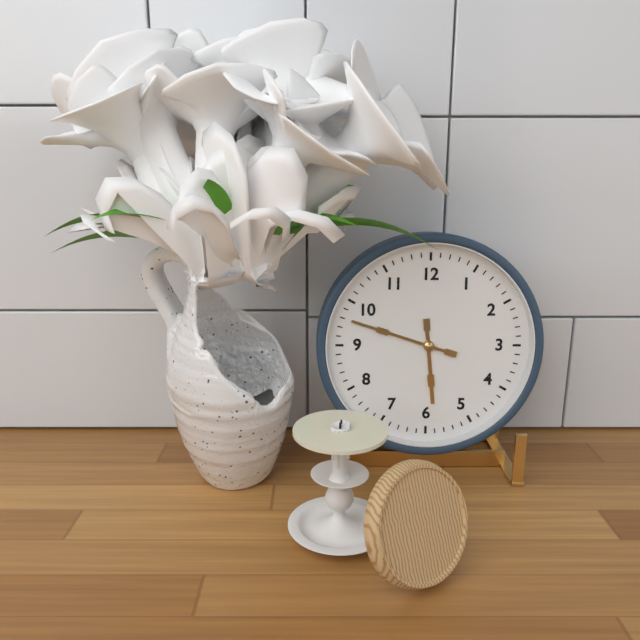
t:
5:48
